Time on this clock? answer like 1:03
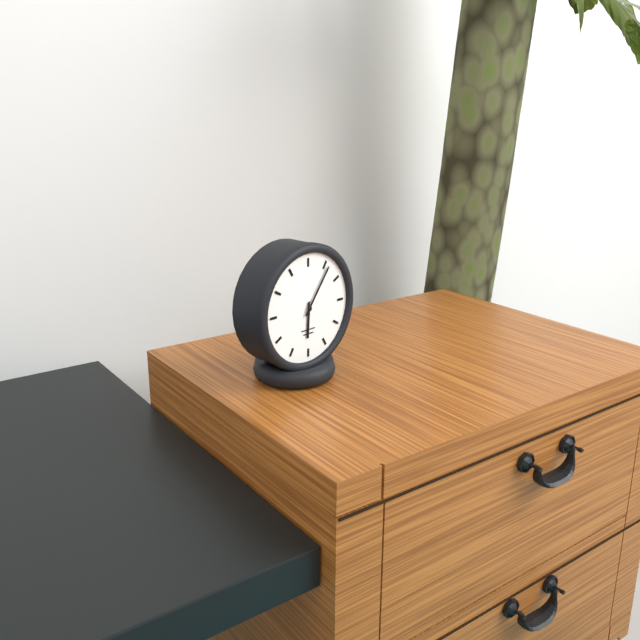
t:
6:06
